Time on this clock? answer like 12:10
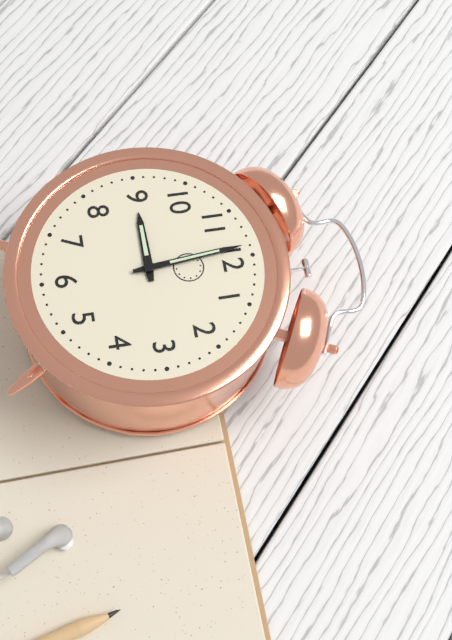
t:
8:59
